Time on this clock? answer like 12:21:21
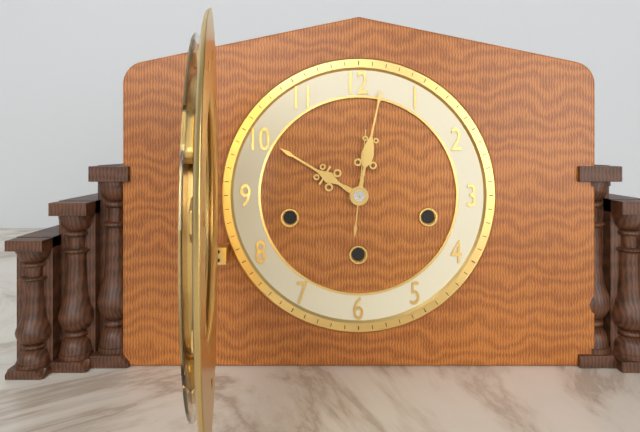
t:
10:02:01
